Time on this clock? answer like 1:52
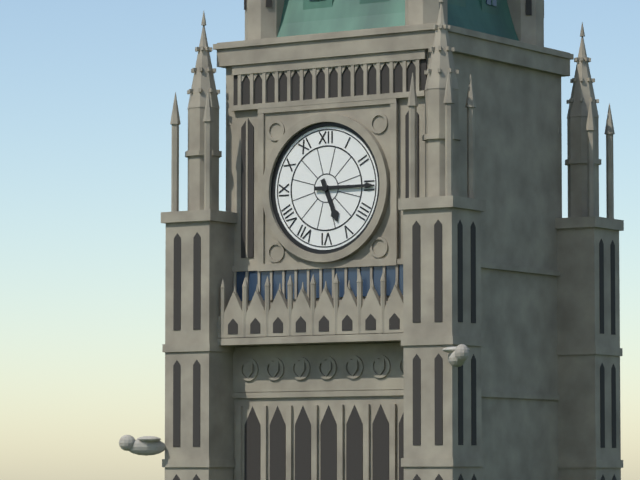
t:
5:15
